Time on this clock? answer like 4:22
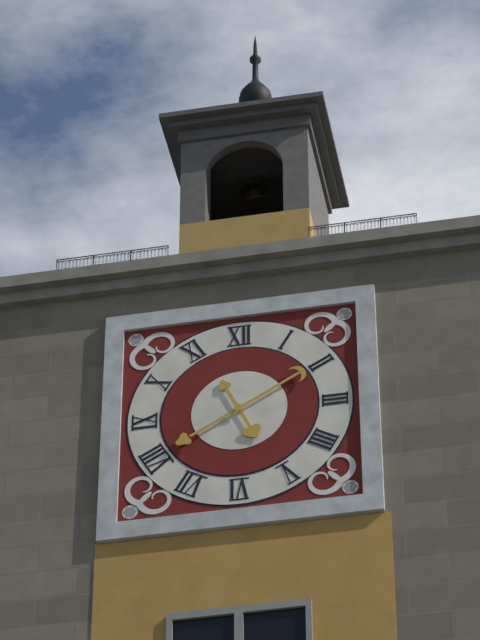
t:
5:10
